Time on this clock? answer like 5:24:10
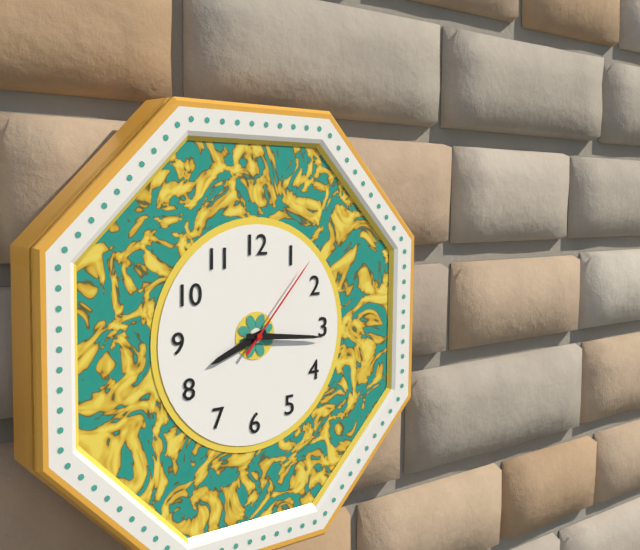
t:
8:16:07
